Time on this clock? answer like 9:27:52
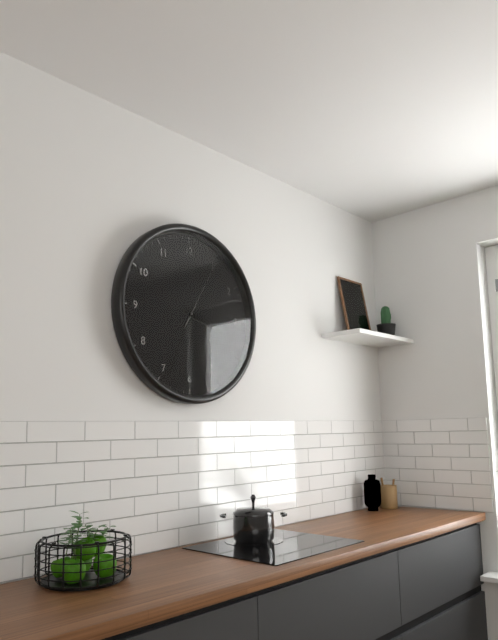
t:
3:34:05
